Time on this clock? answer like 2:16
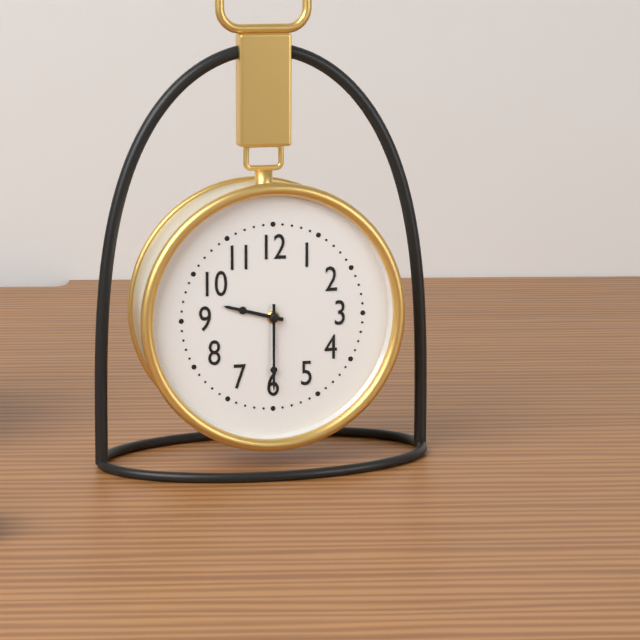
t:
9:30
